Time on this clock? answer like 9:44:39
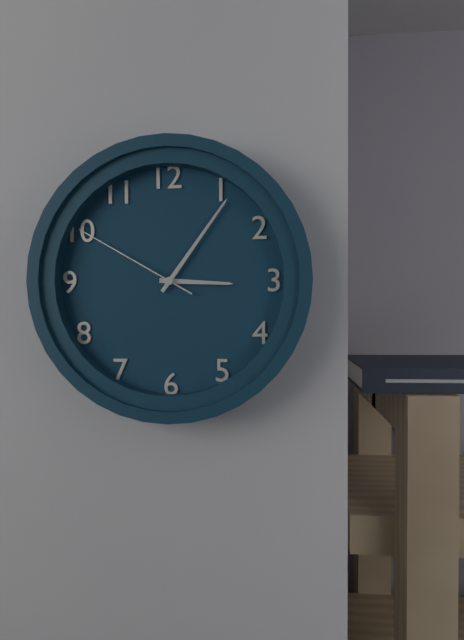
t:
3:06:50
